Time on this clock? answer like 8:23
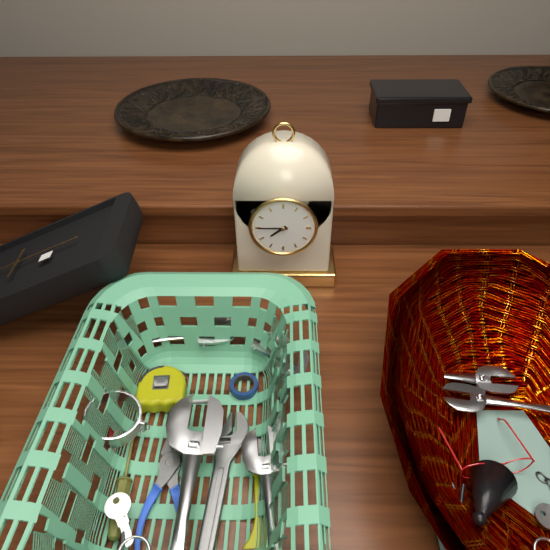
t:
7:45
